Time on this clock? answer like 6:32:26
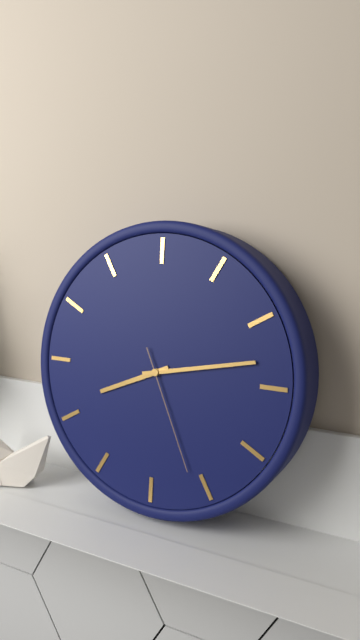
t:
8:13:26
